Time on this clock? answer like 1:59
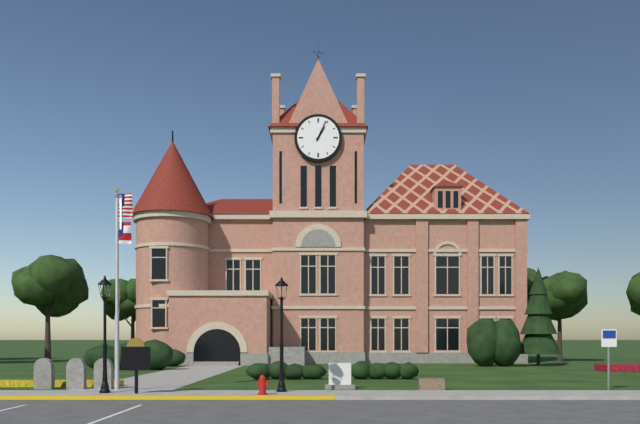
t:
1:04
